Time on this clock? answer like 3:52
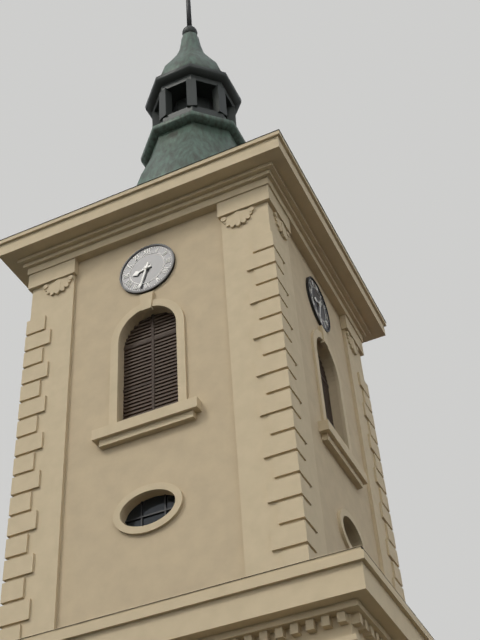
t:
8:33
